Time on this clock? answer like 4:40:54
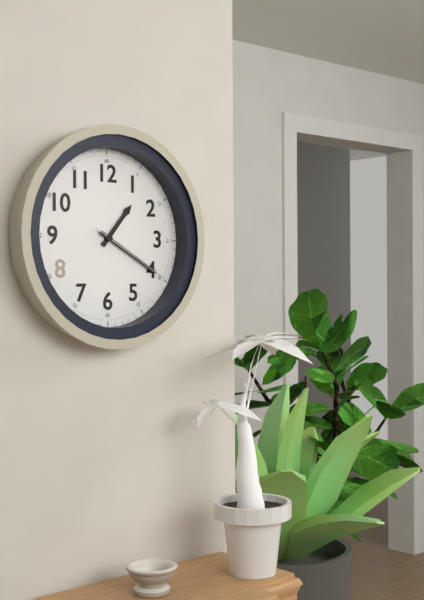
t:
1:20:20
